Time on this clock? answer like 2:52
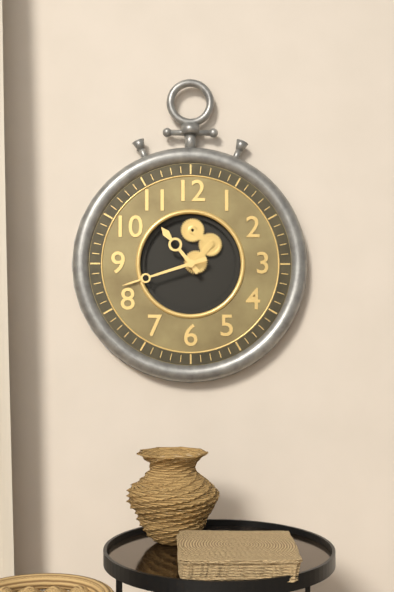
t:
10:42
